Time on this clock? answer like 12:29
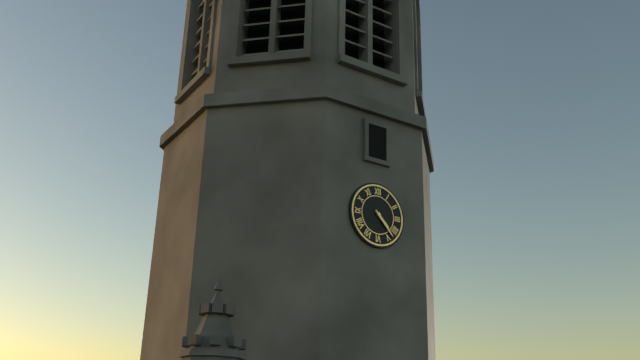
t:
4:23
